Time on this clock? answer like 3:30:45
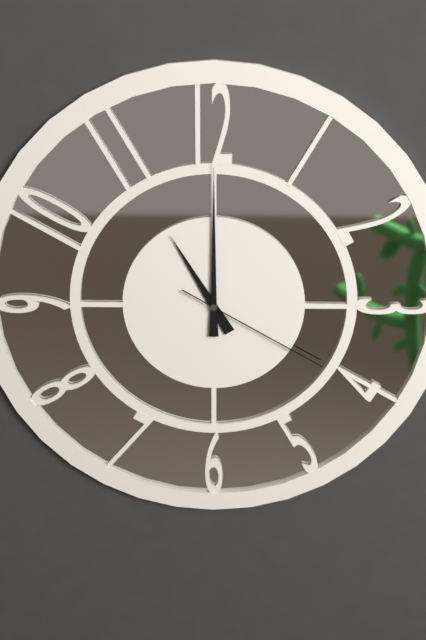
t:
11:00:20
